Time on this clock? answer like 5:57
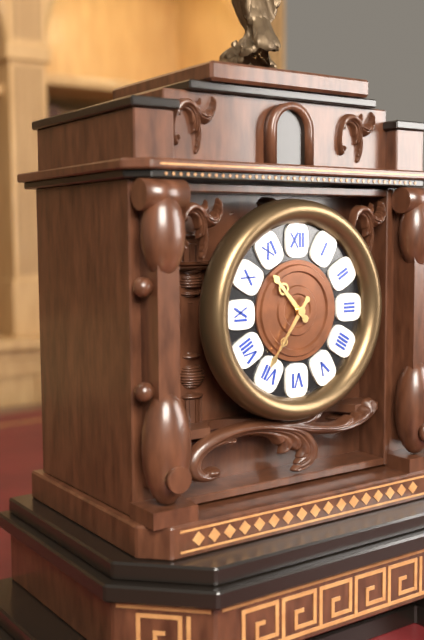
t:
10:36
